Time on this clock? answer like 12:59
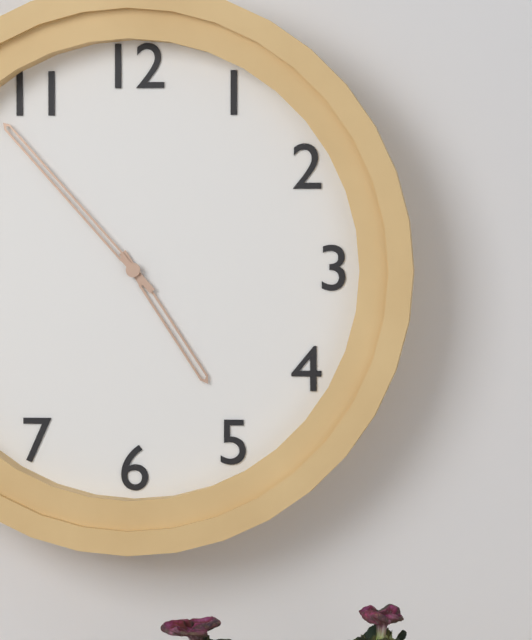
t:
4:53
